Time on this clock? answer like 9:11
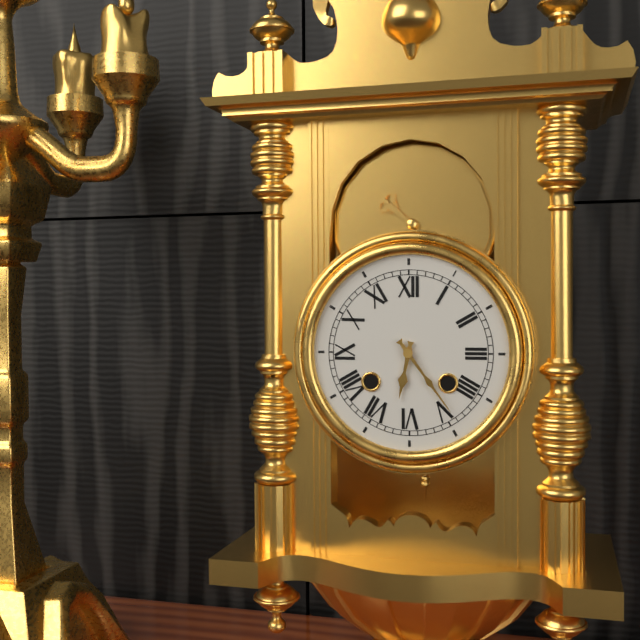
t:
6:24
